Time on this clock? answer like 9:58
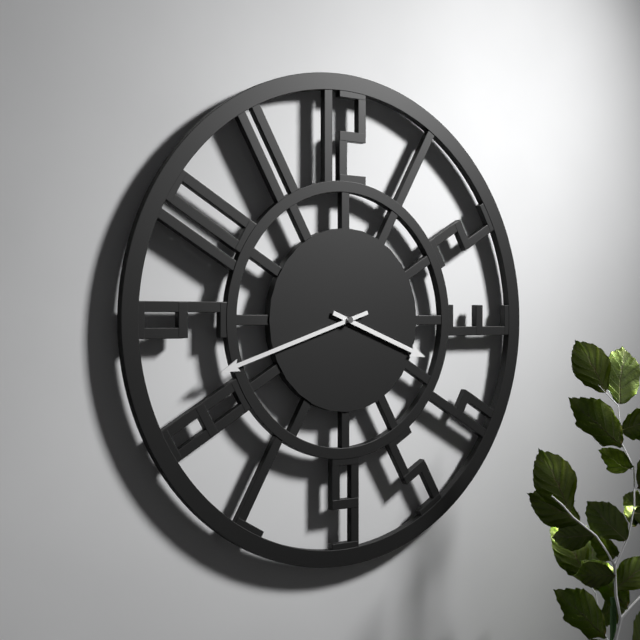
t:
3:42
